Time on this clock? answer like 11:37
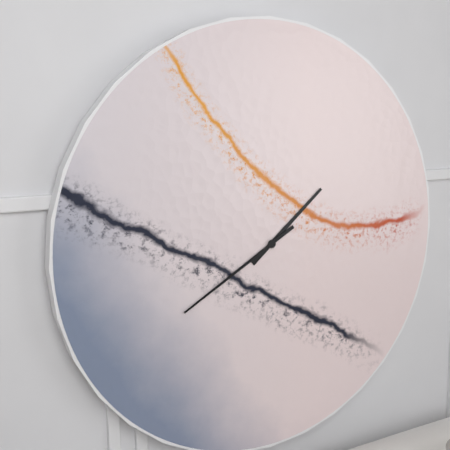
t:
1:40
